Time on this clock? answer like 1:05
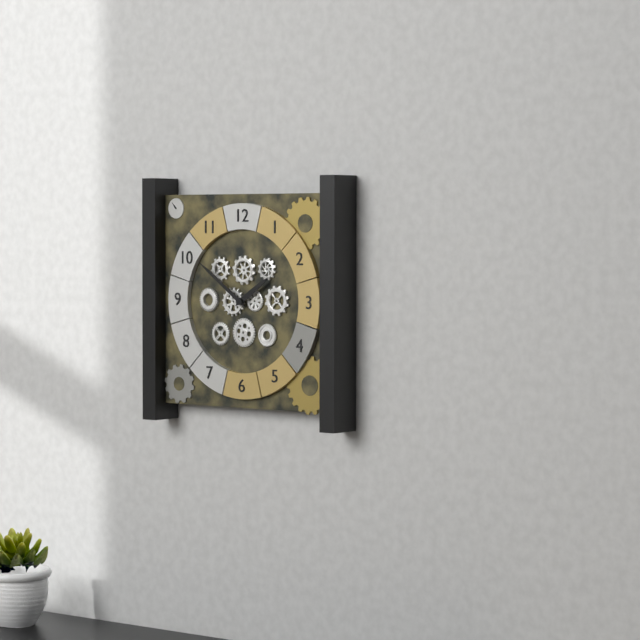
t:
1:51
